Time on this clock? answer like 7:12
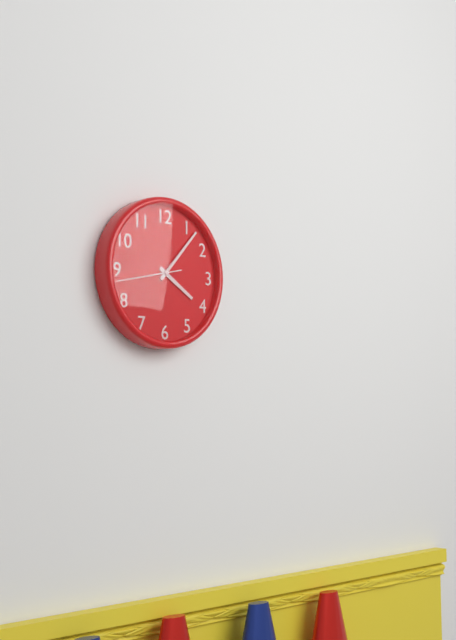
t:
4:07
